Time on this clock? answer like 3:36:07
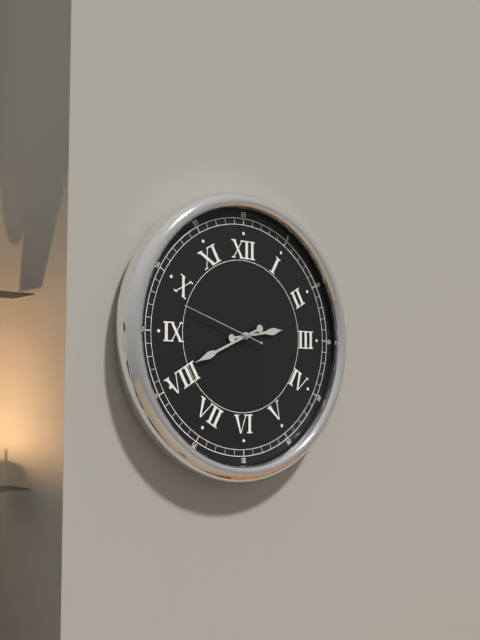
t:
2:41:48
